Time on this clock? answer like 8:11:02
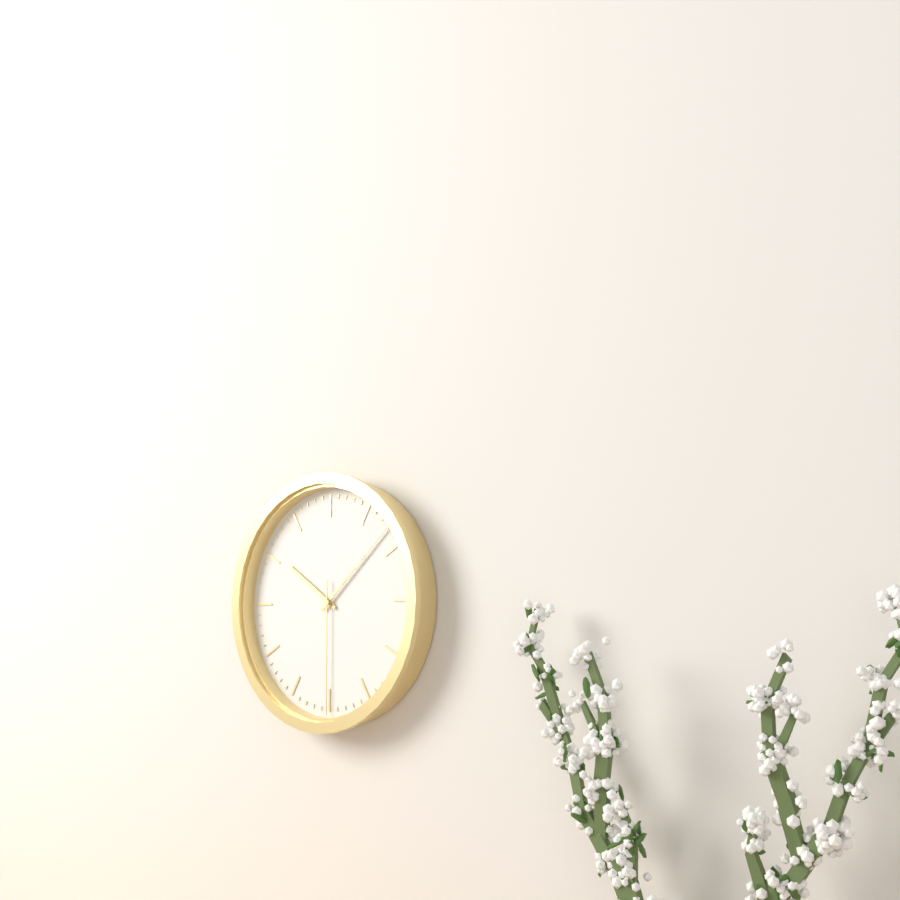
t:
10:08:30
